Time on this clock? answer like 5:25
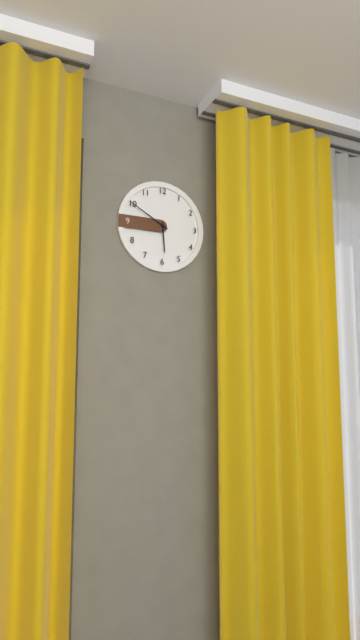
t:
5:50
